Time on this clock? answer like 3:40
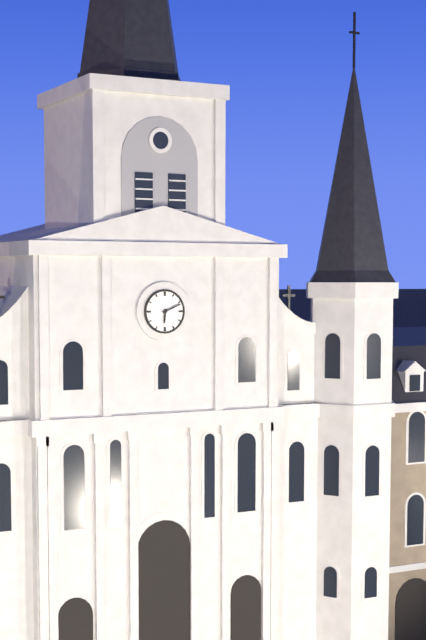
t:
6:11
